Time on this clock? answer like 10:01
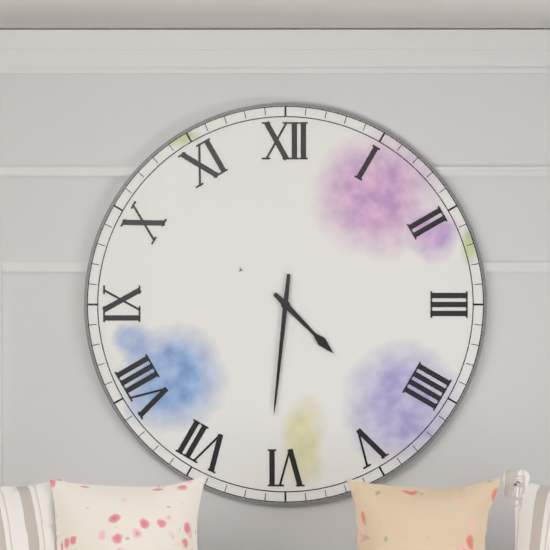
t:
4:31
